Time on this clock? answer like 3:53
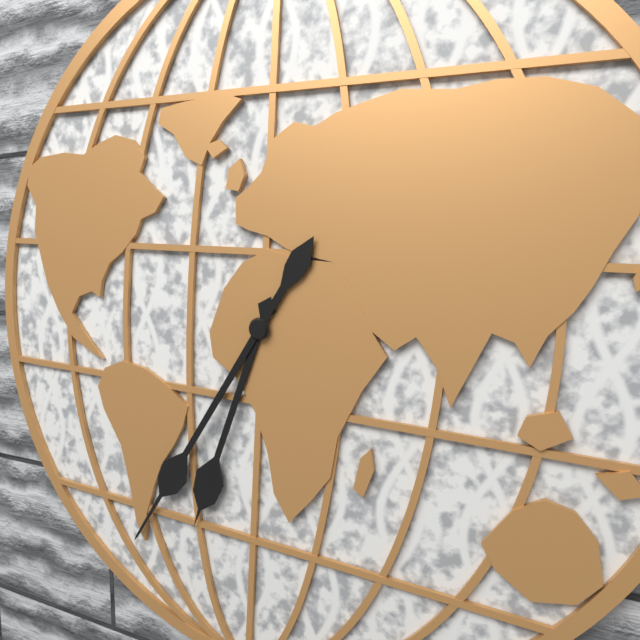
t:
6:35
